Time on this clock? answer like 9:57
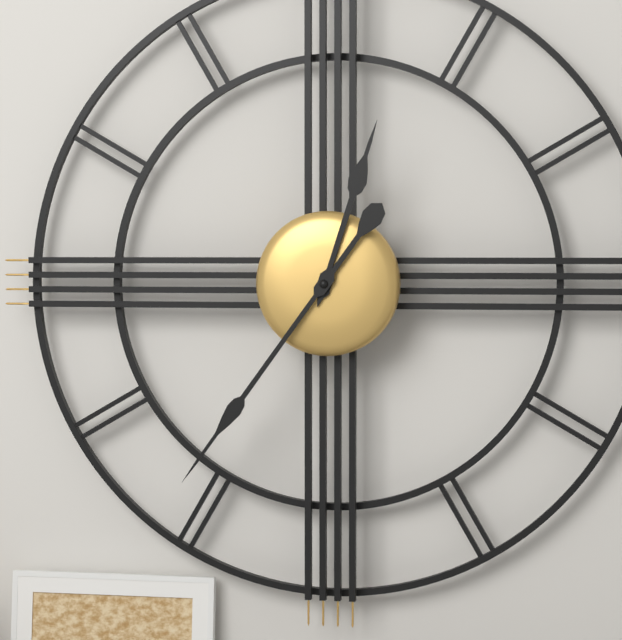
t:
12:36
